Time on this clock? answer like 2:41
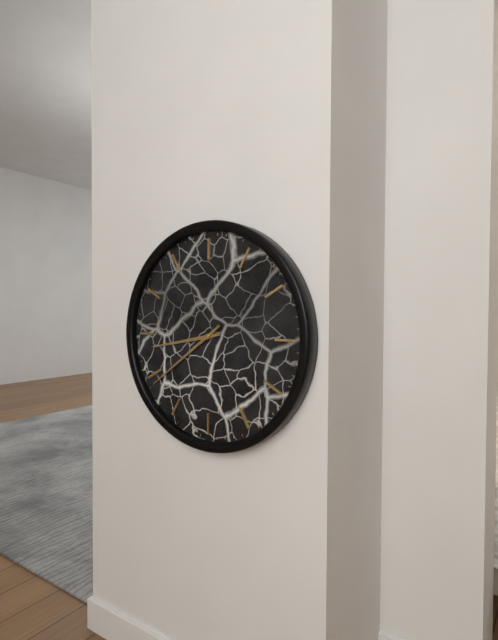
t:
8:39
